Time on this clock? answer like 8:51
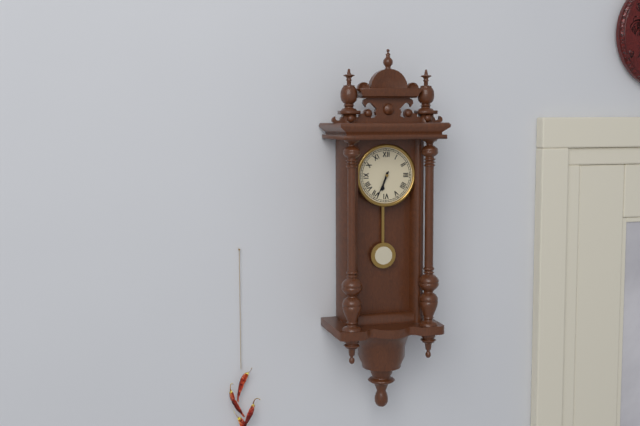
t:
6:34
